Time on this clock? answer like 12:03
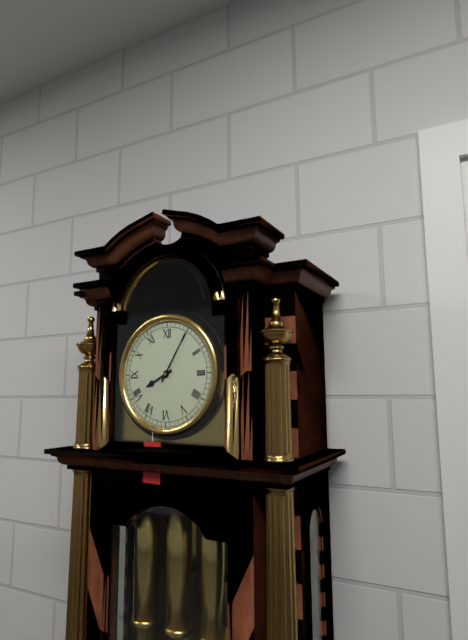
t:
8:05
